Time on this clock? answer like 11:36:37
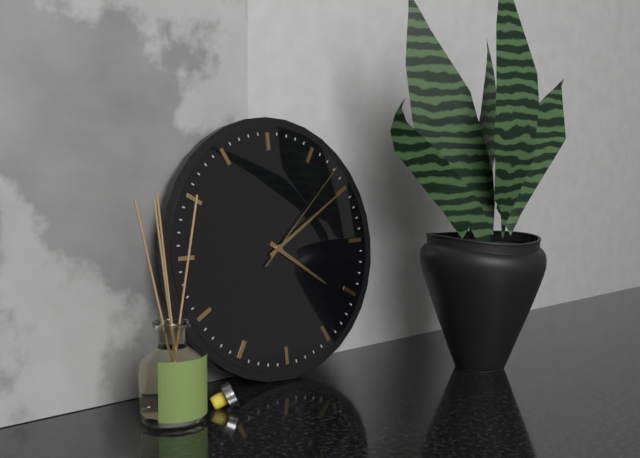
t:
4:10:08
